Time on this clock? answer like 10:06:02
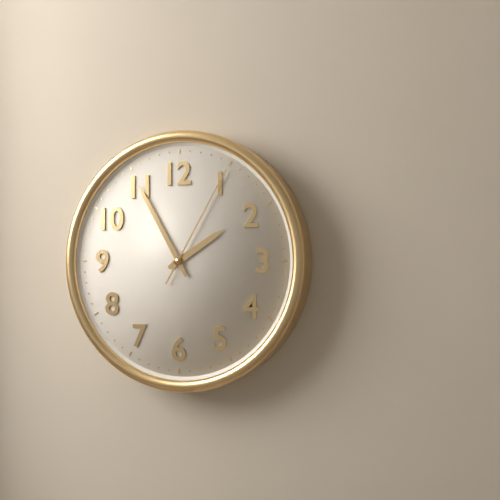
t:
1:55:05
